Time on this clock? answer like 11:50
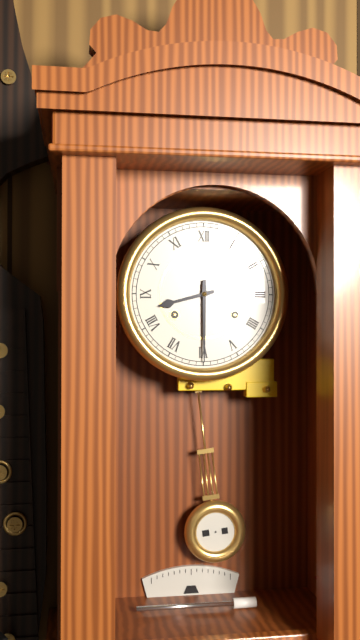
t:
8:30
